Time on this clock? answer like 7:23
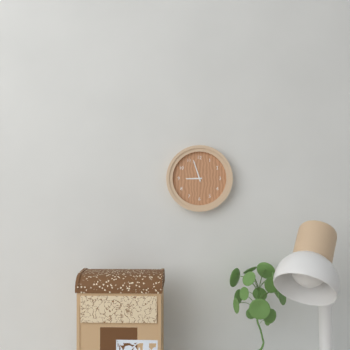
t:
8:57
